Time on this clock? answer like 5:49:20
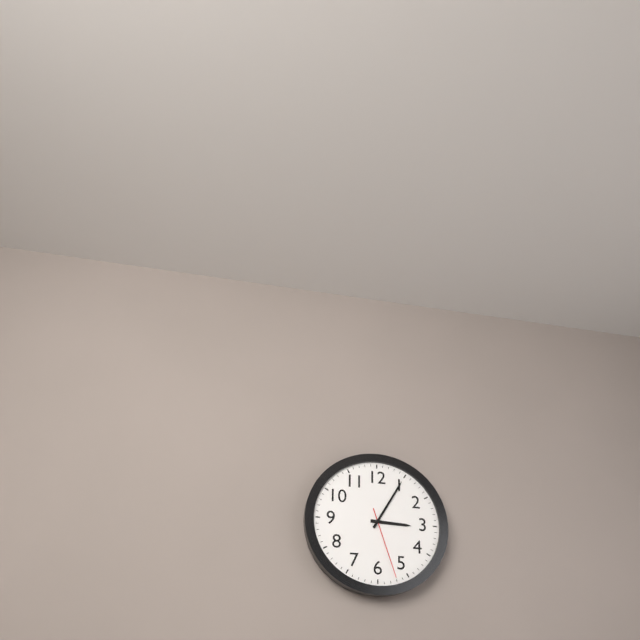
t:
3:05:27
